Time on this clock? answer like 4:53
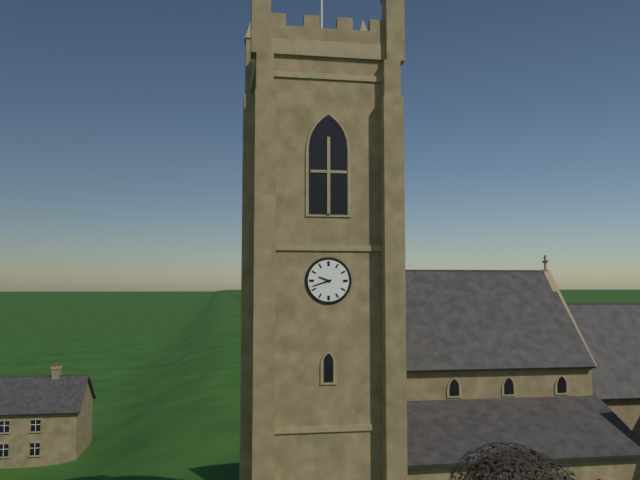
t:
9:42
